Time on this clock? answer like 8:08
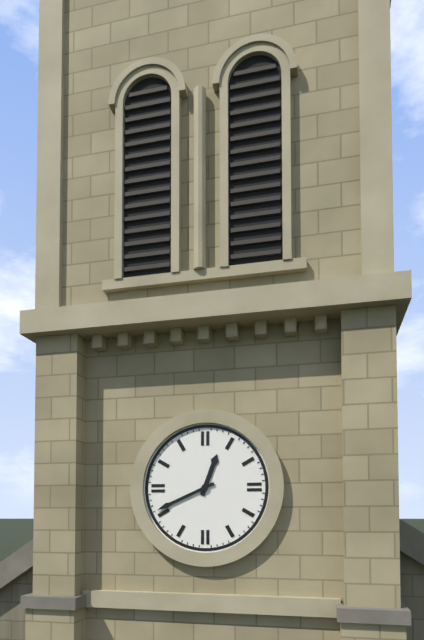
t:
12:41
